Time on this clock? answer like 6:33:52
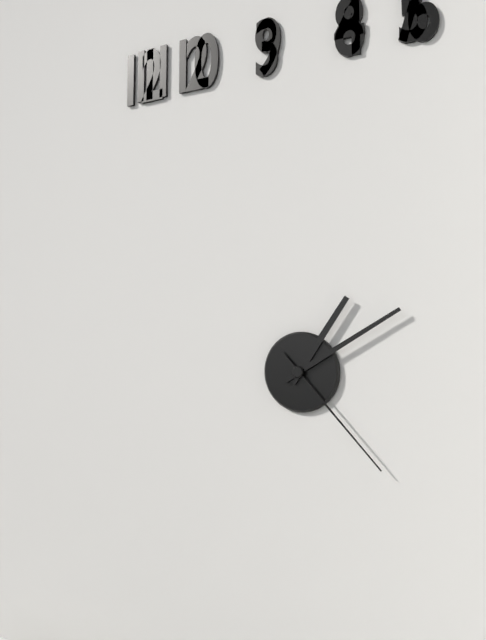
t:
1:10:23
